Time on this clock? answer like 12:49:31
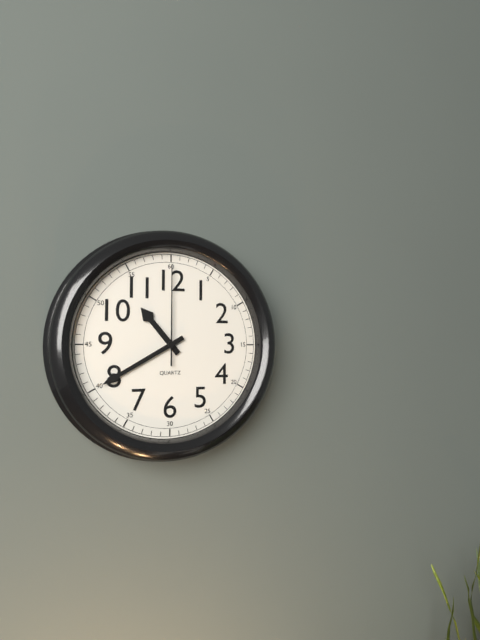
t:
10:40:00
